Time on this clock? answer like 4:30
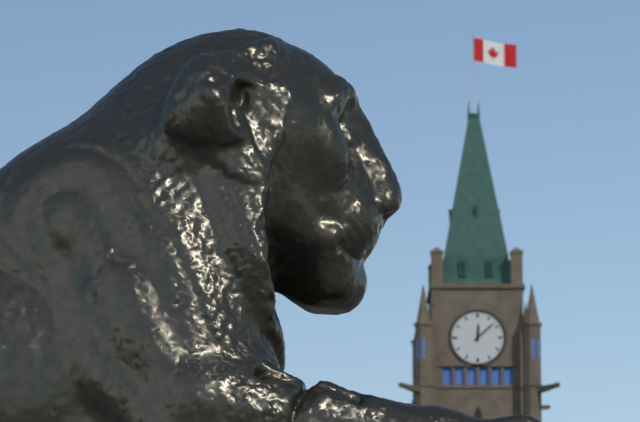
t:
12:08
